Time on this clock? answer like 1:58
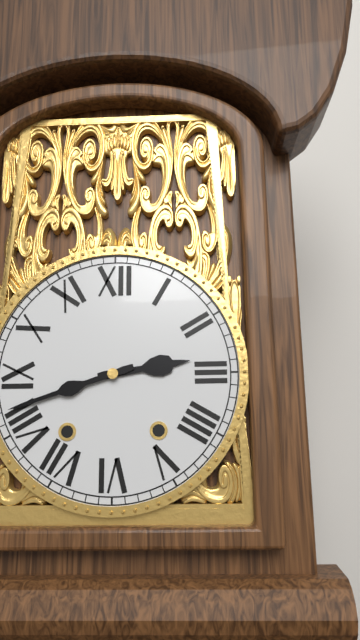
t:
2:42
